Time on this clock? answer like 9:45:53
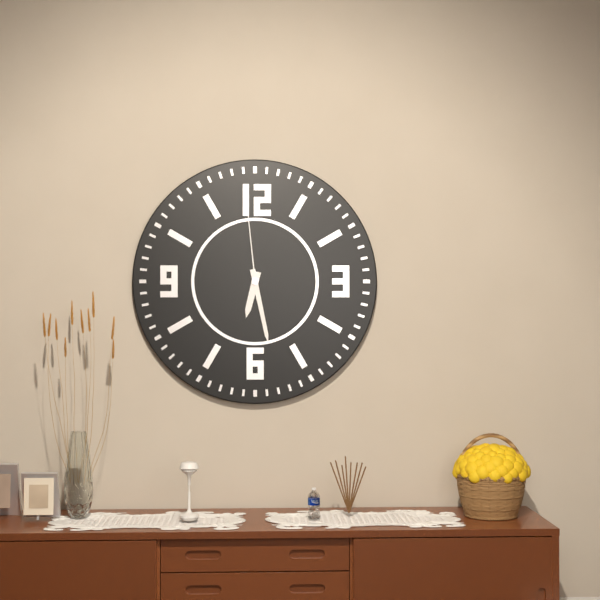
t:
6:28:59
